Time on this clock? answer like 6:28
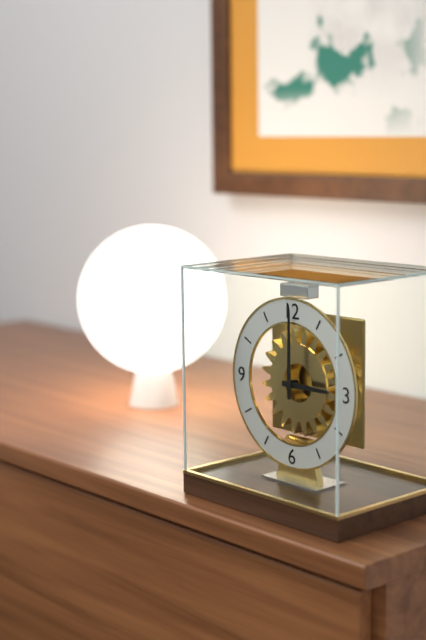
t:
3:00
